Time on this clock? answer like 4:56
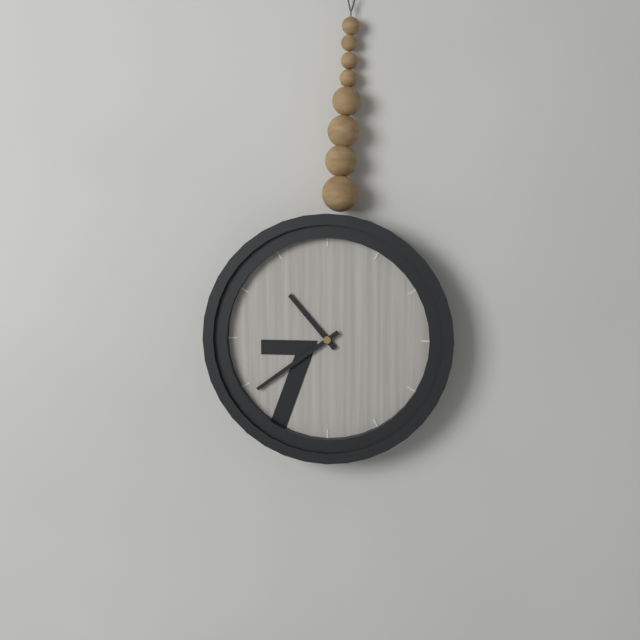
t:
10:39
